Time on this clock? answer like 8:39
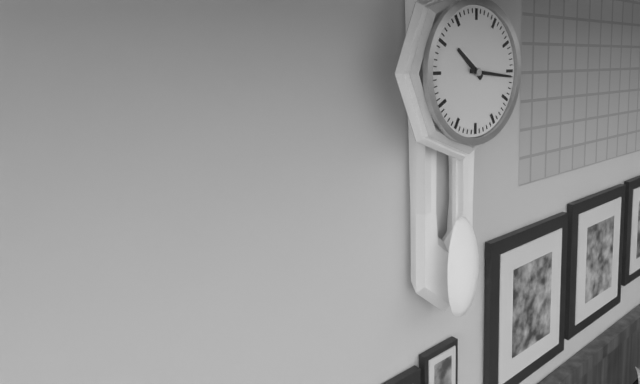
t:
10:16
